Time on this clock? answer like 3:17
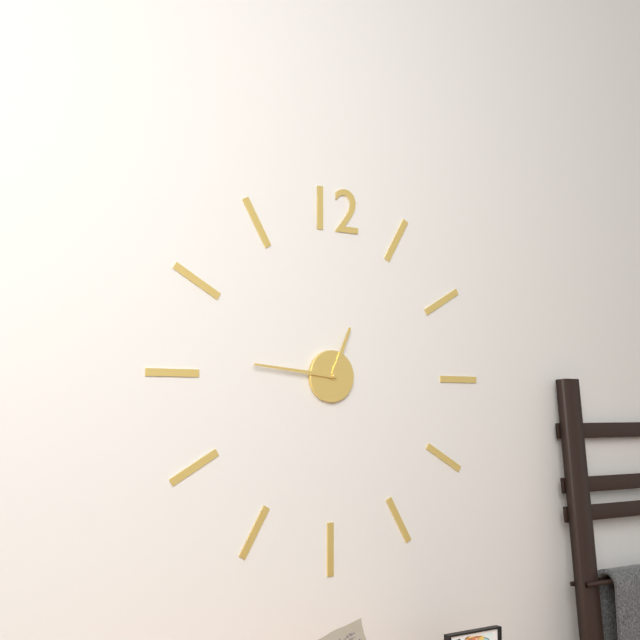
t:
12:46
